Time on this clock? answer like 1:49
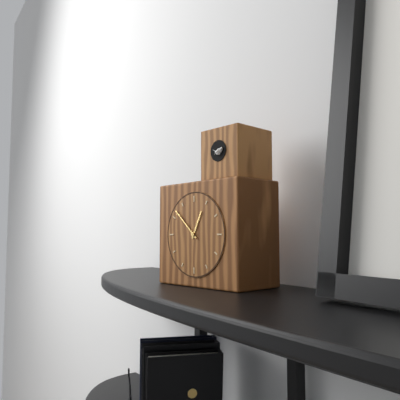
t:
12:52
